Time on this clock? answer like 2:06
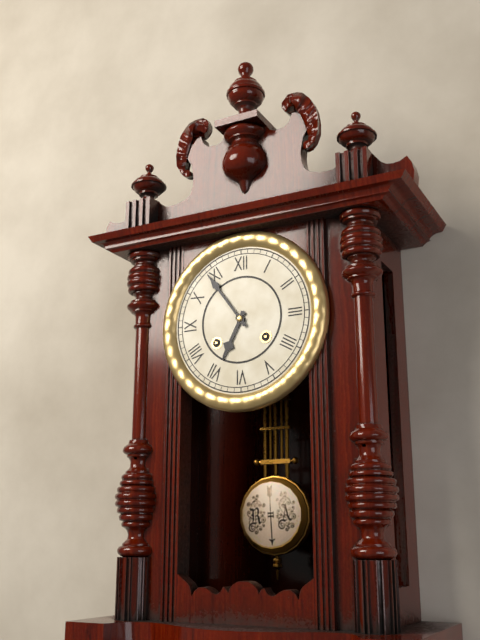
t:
6:54
